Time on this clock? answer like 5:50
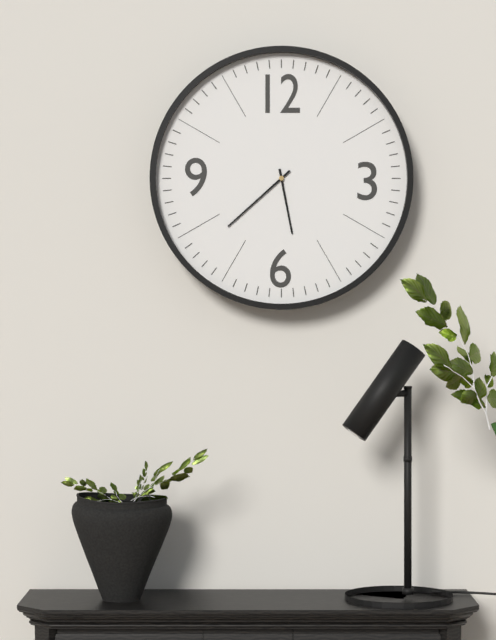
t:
5:38
